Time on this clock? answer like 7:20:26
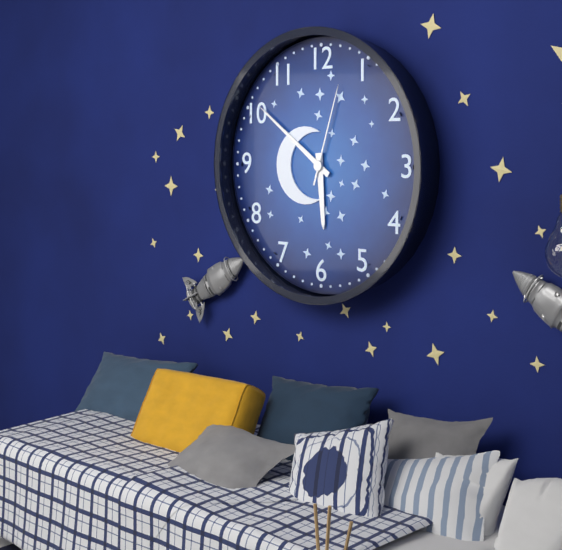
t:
5:51:03
